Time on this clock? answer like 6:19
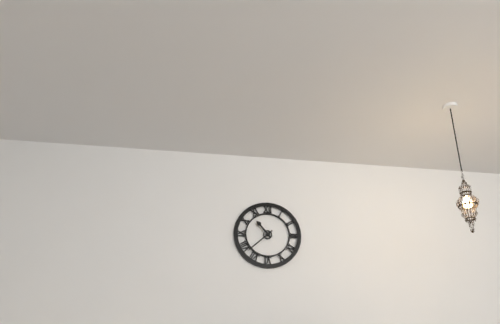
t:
10:38
